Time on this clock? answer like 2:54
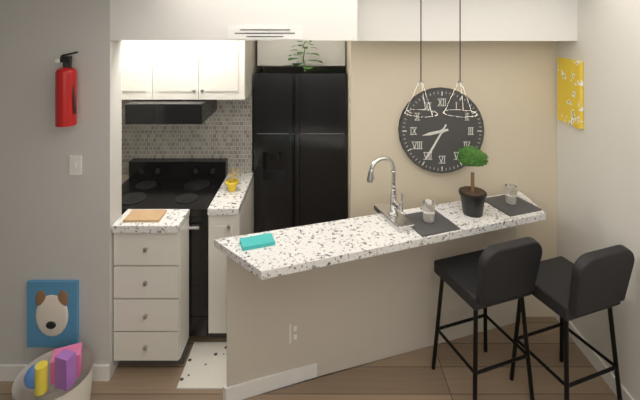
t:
8:35
